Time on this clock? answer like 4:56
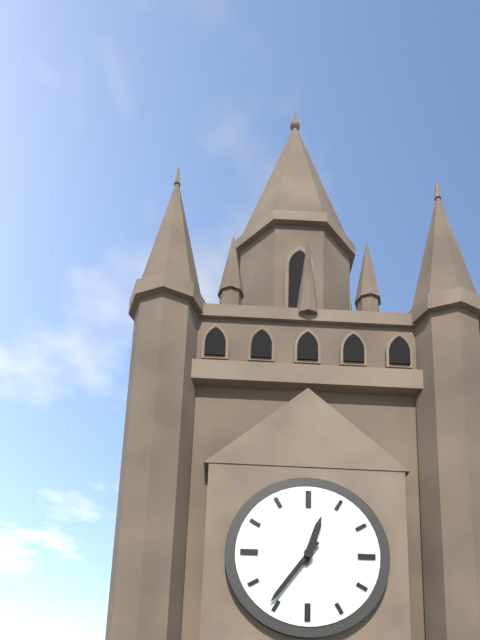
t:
12:36
